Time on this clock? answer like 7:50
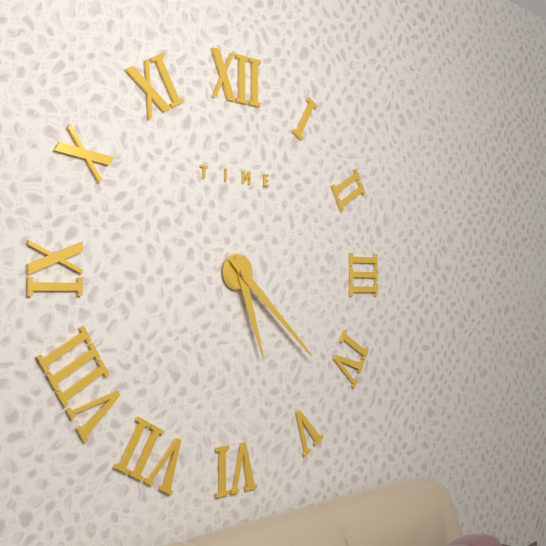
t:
5:22
